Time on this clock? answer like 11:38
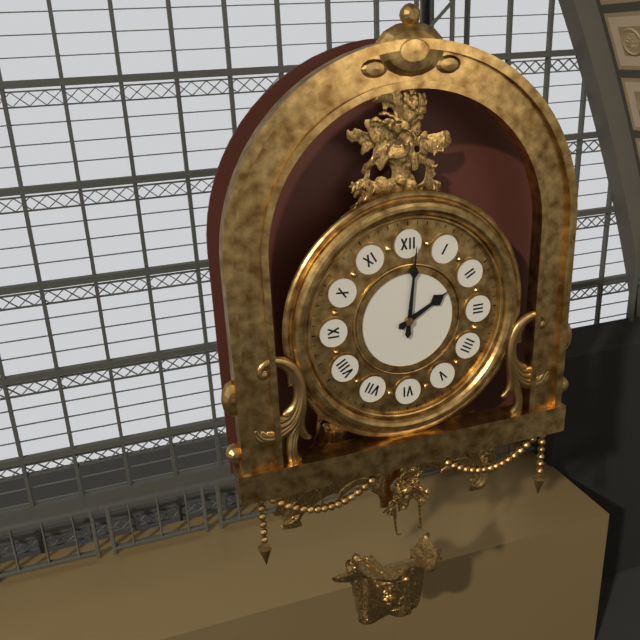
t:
2:01
